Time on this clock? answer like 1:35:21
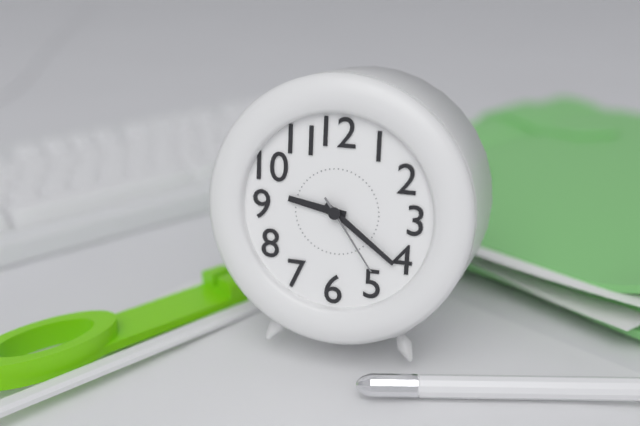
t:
9:21:24
